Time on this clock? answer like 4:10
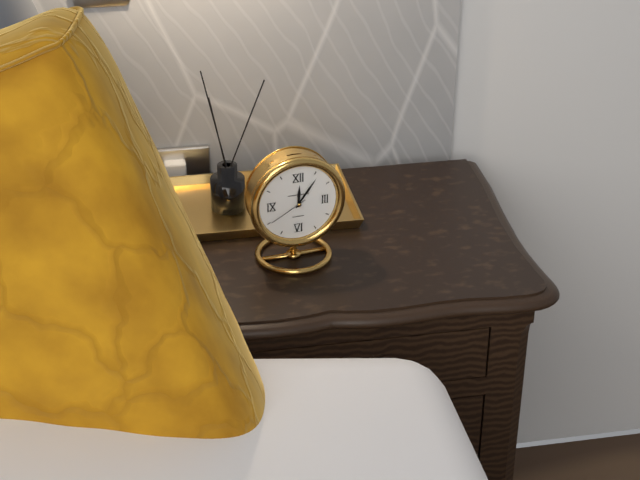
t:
12:06
